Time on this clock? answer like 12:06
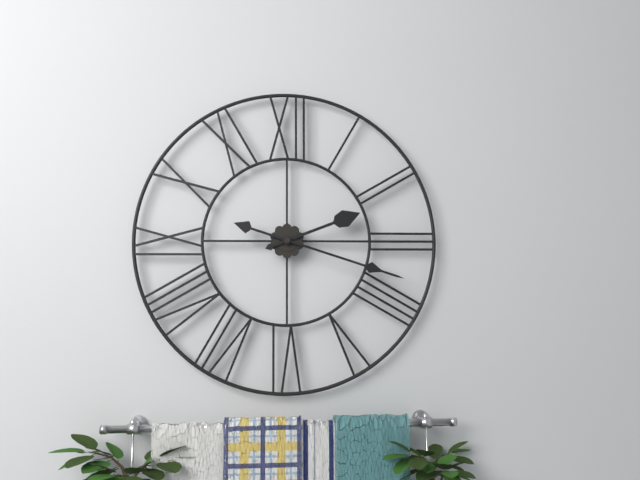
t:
2:18
